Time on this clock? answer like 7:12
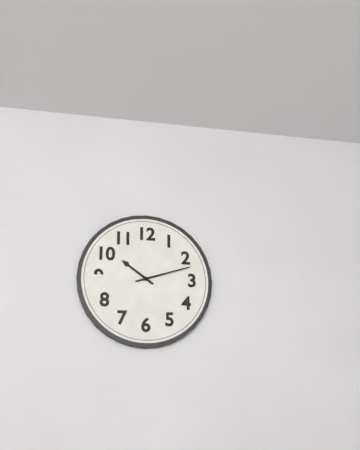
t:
10:12
